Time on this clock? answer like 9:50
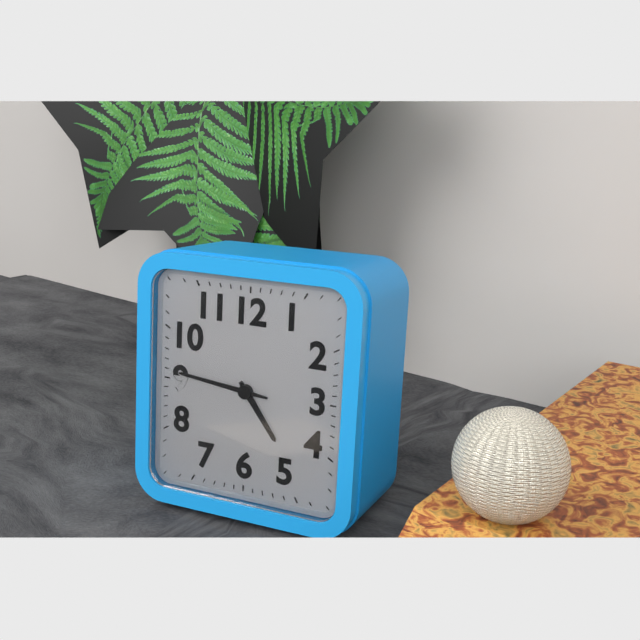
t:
4:46
